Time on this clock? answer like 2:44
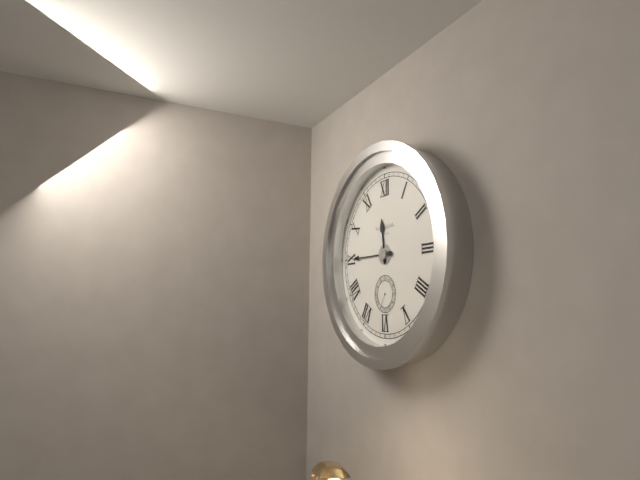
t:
11:45
